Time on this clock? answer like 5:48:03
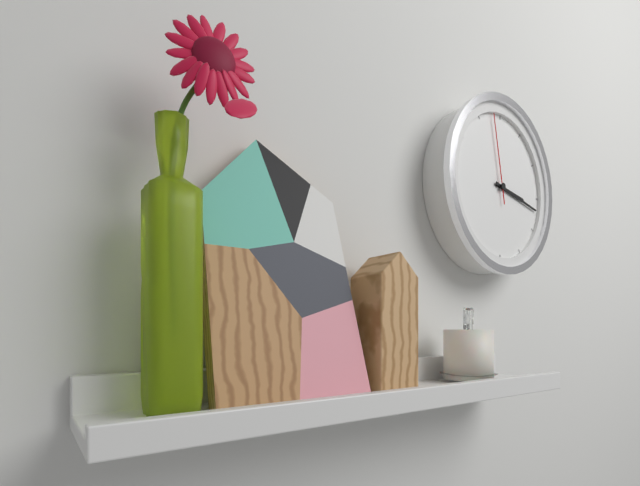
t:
3:17:58
